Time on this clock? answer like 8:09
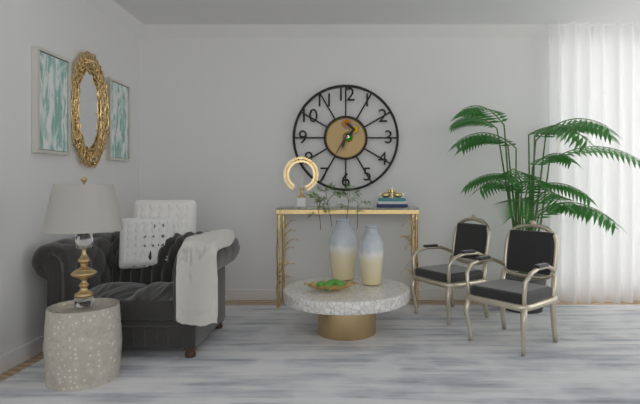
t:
6:35
